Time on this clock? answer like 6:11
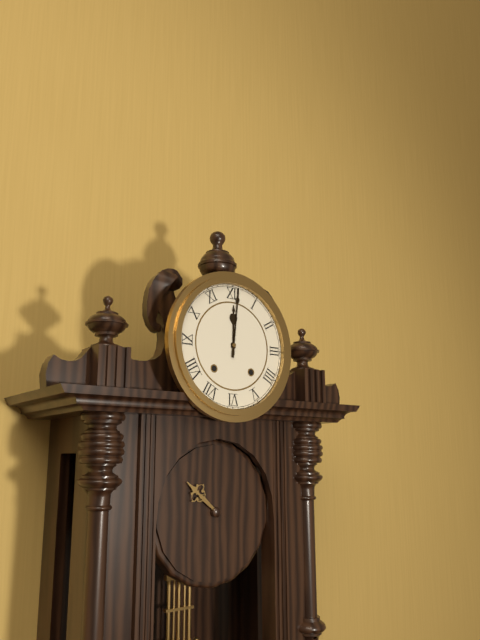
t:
12:01
